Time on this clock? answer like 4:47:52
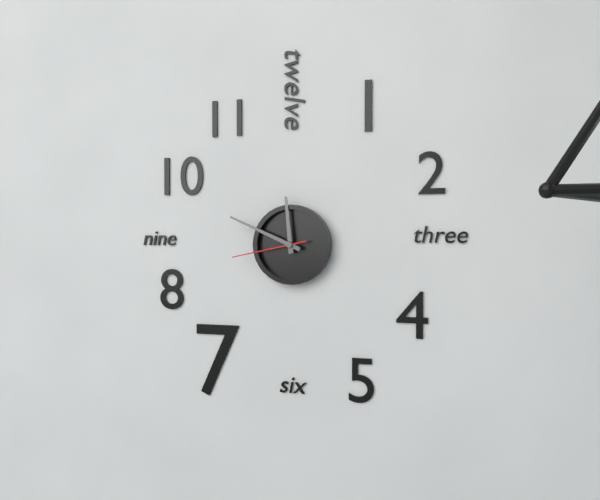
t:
11:49:43
